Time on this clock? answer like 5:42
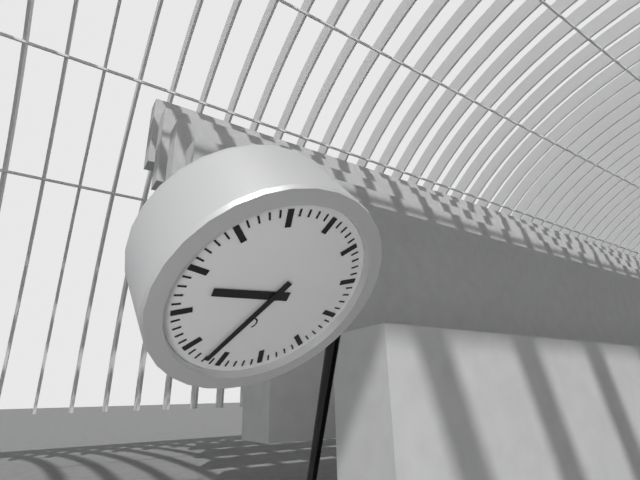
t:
8:32
